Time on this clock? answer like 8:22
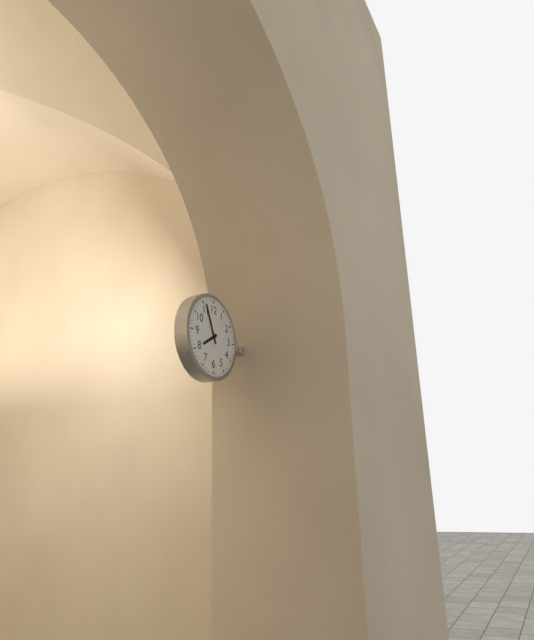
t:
7:56
